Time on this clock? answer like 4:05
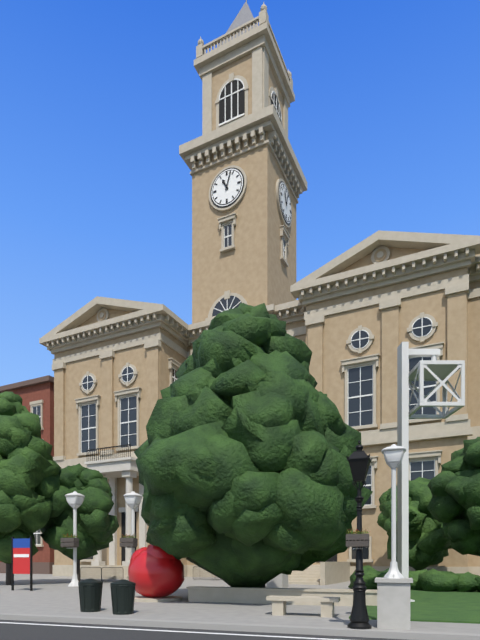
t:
11:03
